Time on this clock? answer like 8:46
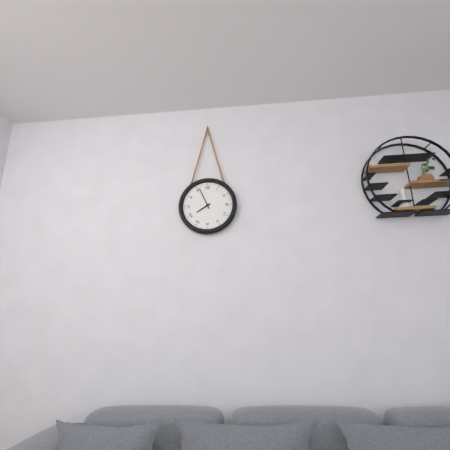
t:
7:56
